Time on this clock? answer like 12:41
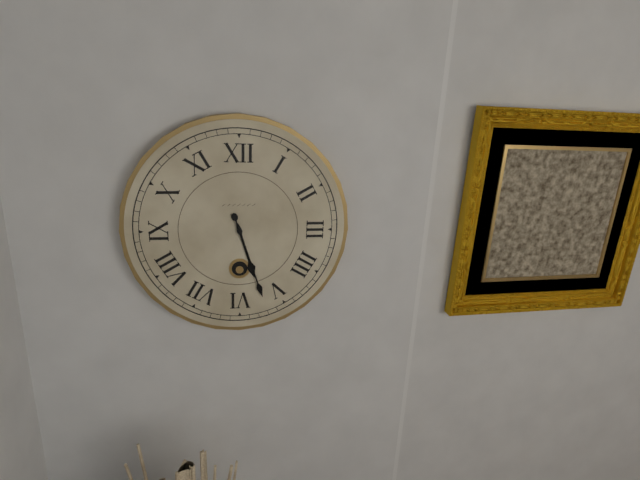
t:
5:27
